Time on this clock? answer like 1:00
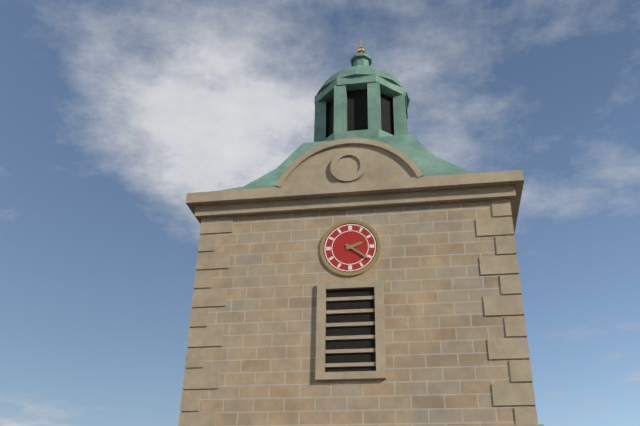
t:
2:21
